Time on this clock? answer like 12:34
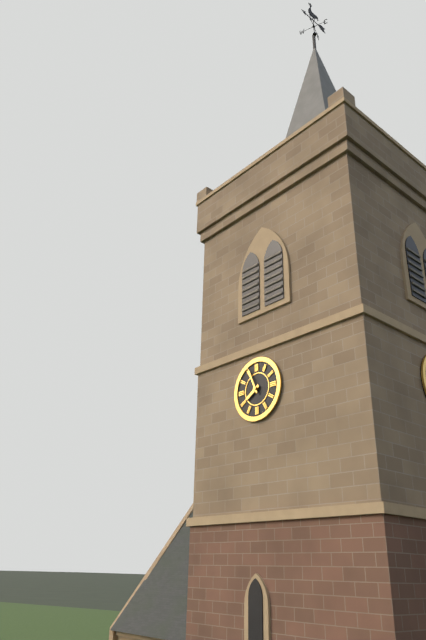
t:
7:56
